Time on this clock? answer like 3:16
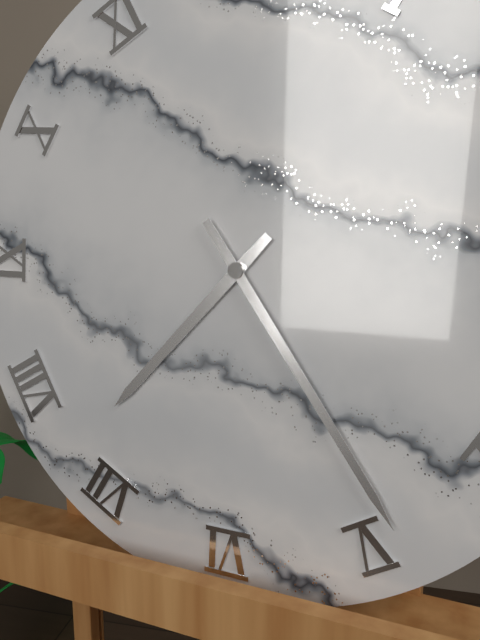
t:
7:24
